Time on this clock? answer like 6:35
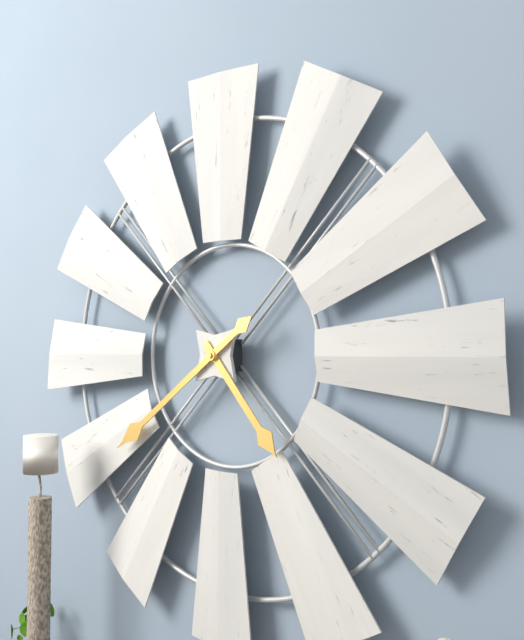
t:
4:39
